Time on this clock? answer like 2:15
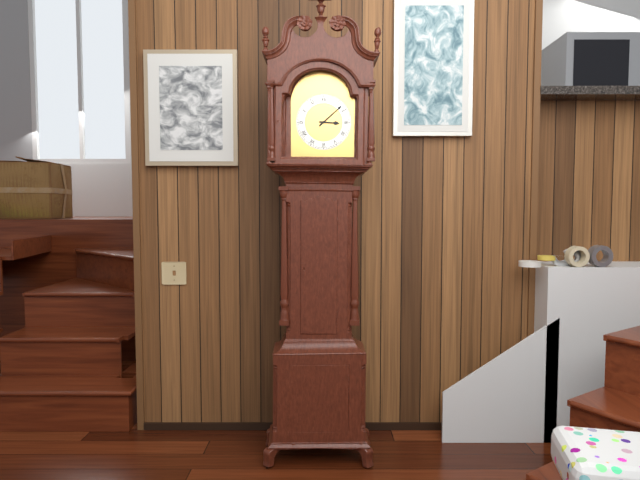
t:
3:08
